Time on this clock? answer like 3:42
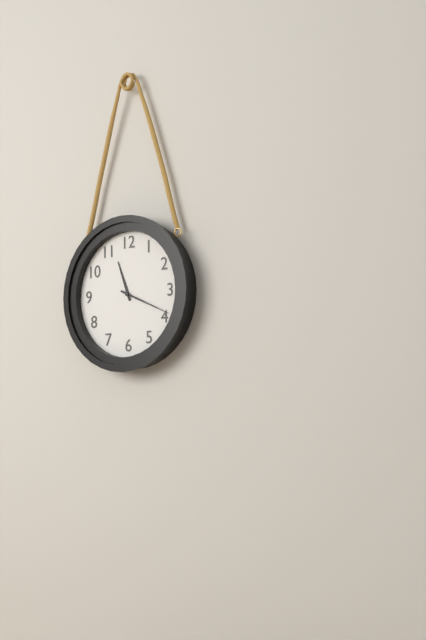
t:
11:19
